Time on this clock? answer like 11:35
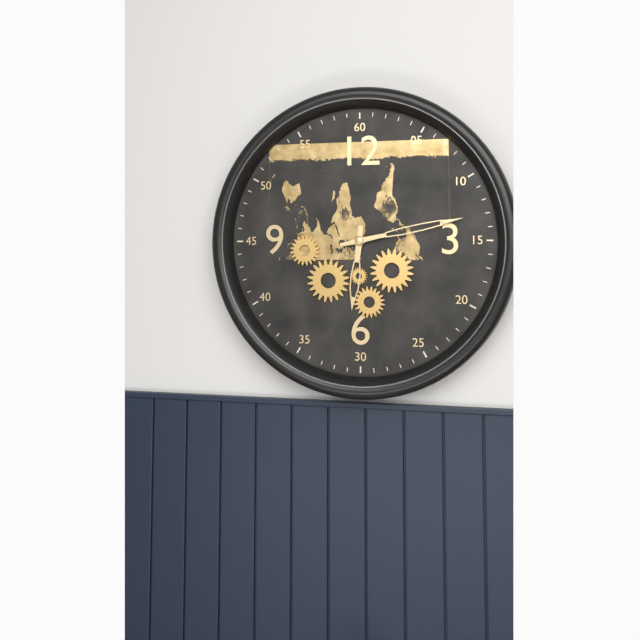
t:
6:13
